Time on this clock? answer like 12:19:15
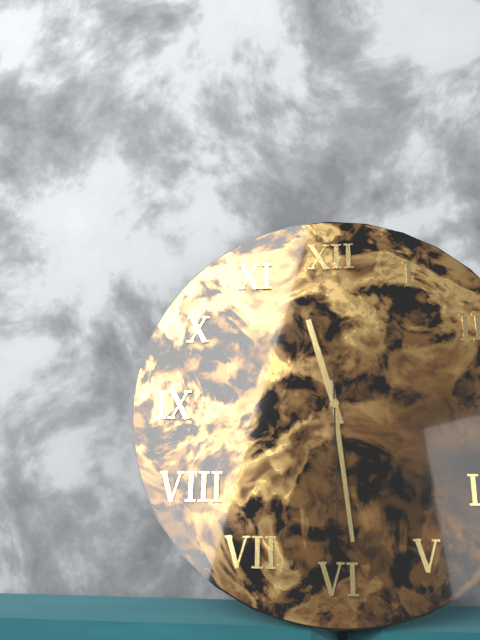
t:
11:29:30
